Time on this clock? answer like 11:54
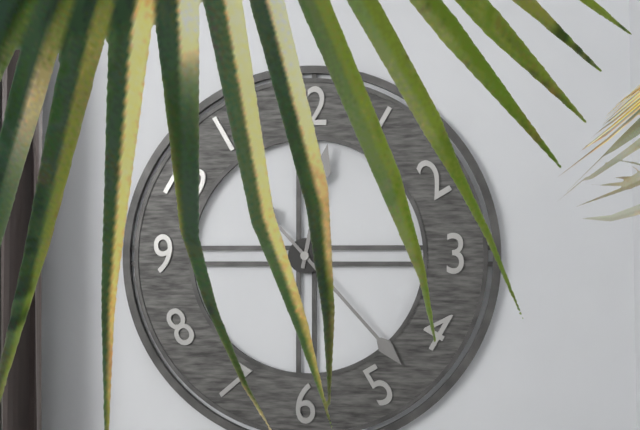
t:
12:23
